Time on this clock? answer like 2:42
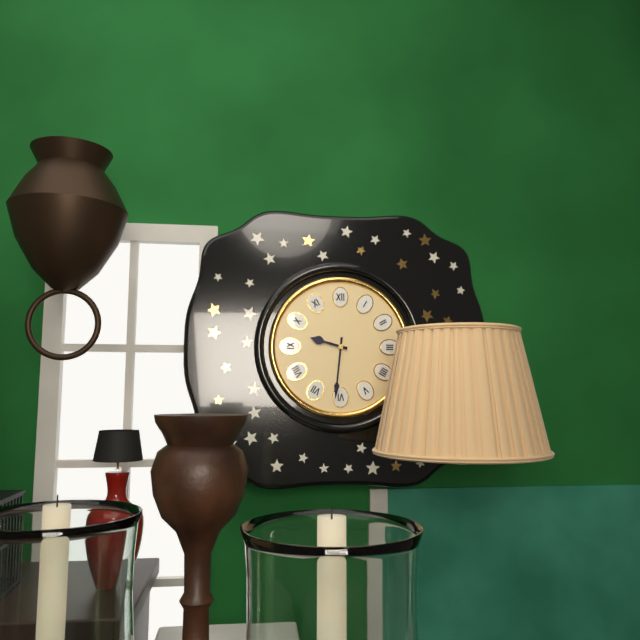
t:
9:31
